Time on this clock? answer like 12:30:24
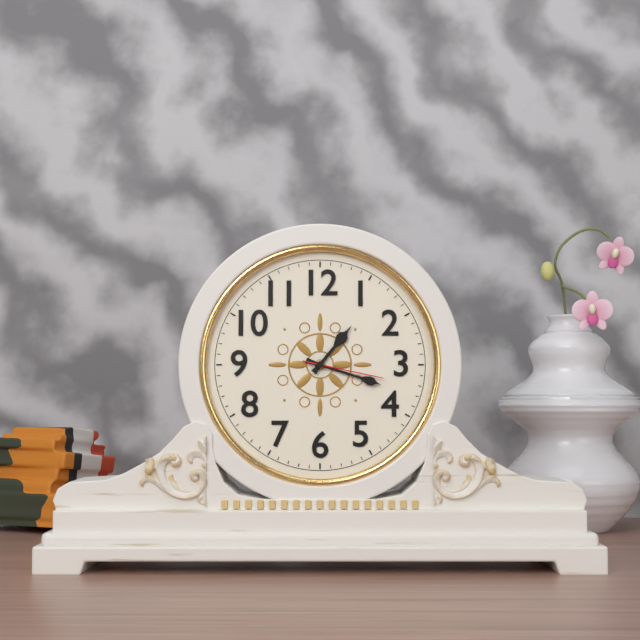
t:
1:18:17
